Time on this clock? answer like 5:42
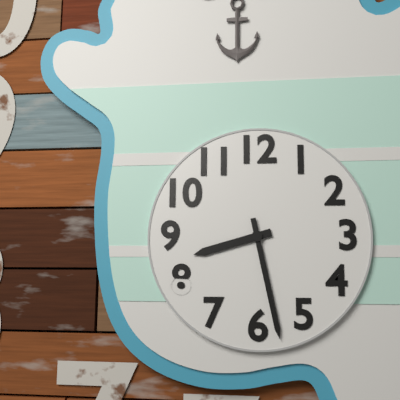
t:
8:28
